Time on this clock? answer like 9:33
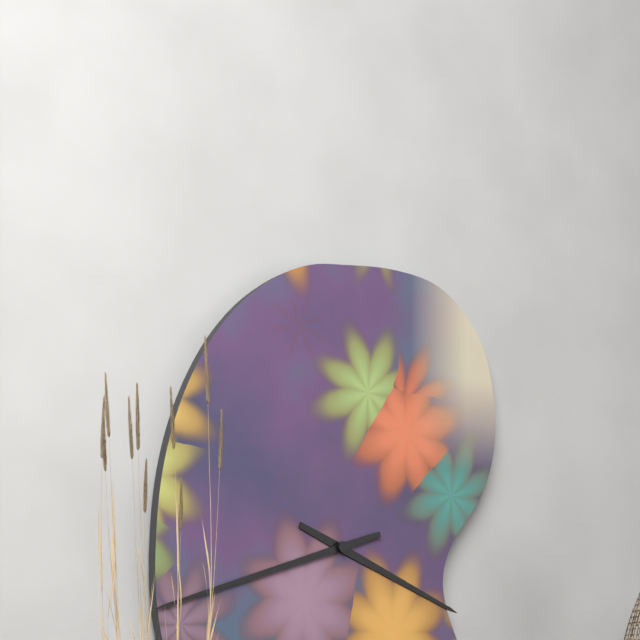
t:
3:42
